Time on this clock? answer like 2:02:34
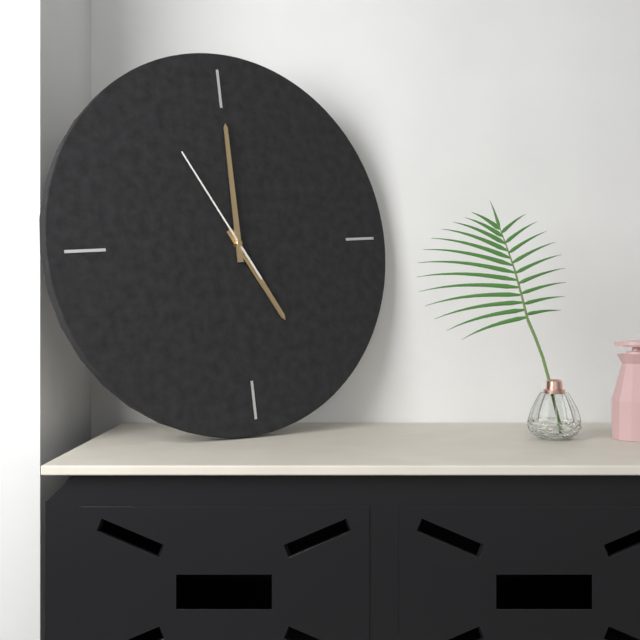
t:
5:00:55
